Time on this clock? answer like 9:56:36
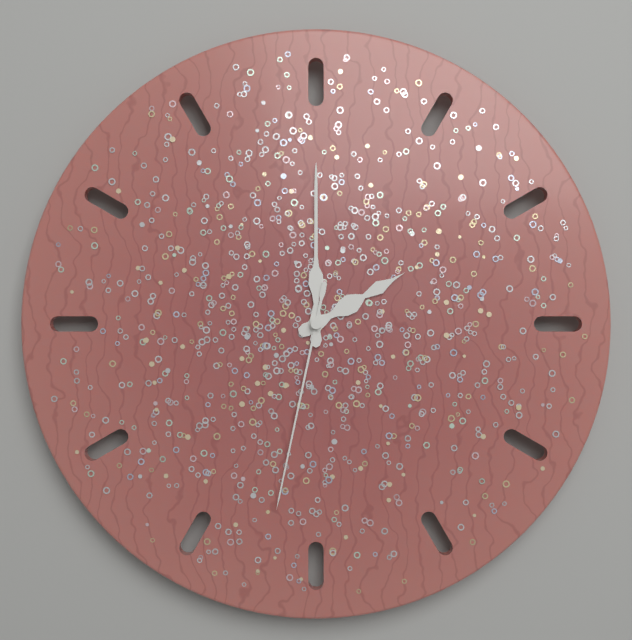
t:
2:00:32
